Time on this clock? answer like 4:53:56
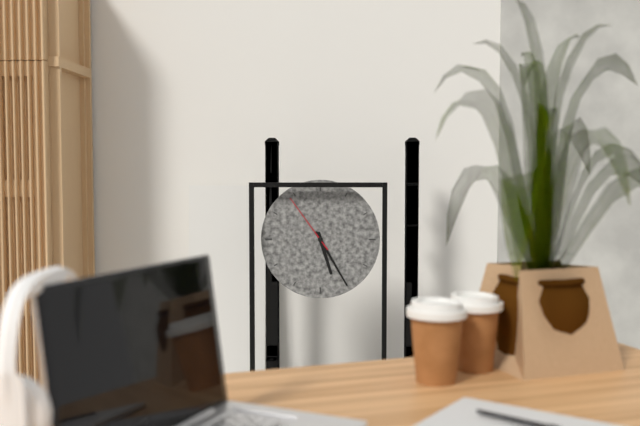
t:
5:25:54
